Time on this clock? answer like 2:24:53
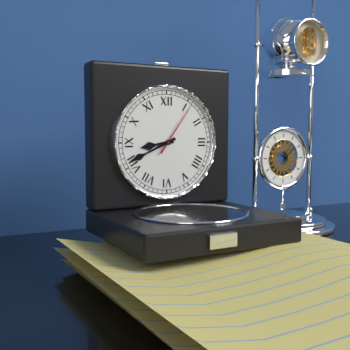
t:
8:41:06
